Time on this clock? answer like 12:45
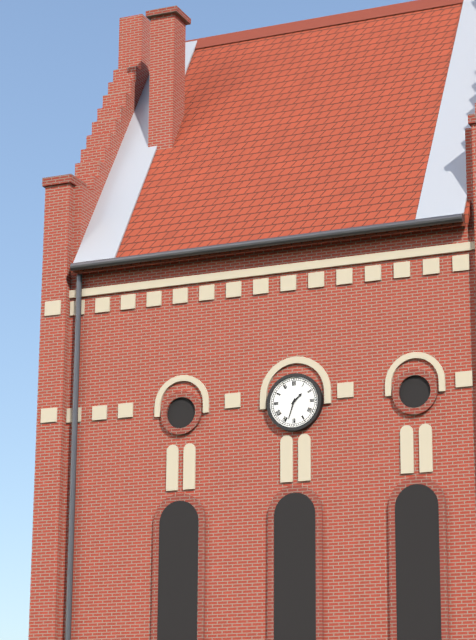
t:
1:33
